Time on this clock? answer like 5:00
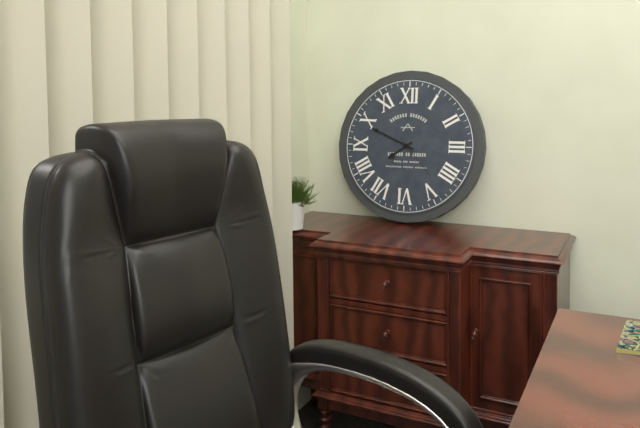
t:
7:49
